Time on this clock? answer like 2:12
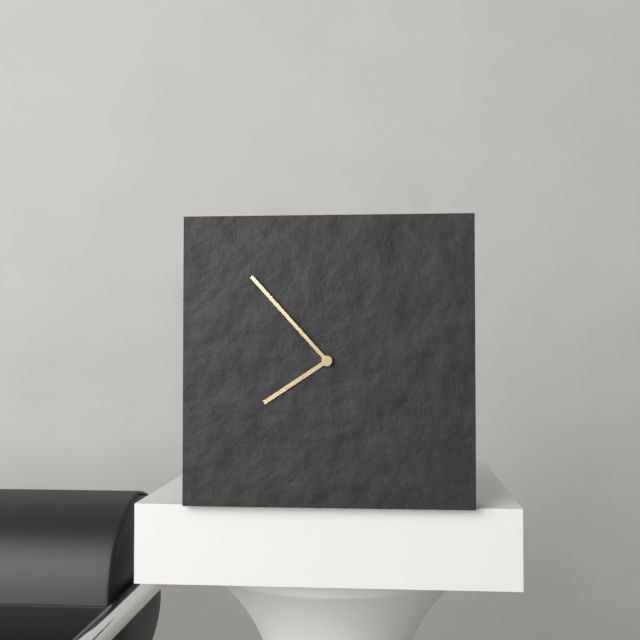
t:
7:53
